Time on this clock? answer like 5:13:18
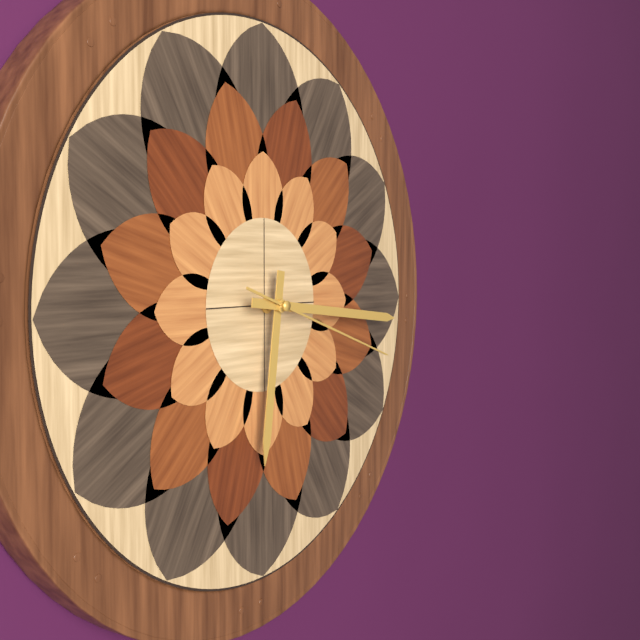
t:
6:16:18
